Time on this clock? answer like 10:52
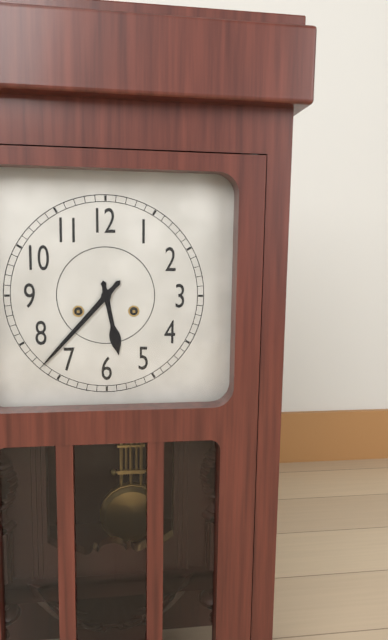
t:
5:37
